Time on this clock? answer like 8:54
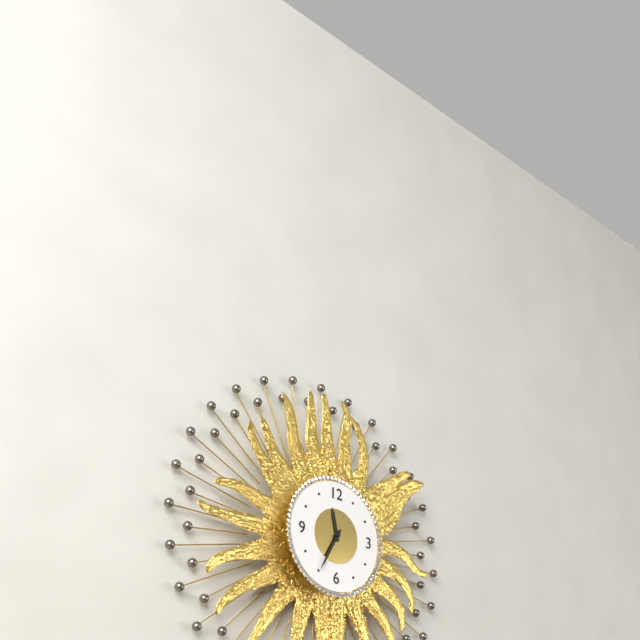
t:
11:35
